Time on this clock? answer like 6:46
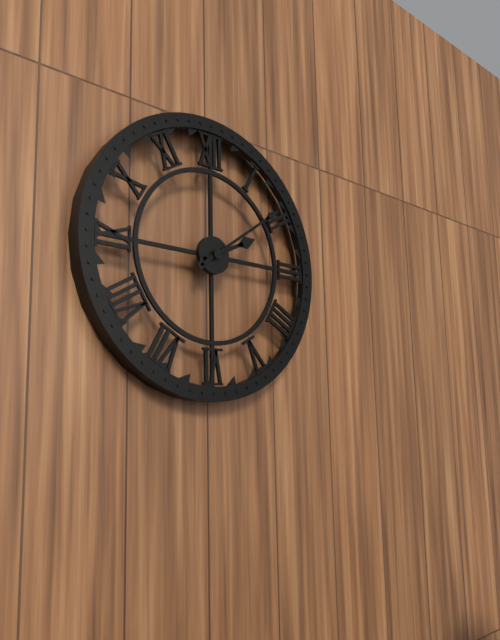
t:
2:09
